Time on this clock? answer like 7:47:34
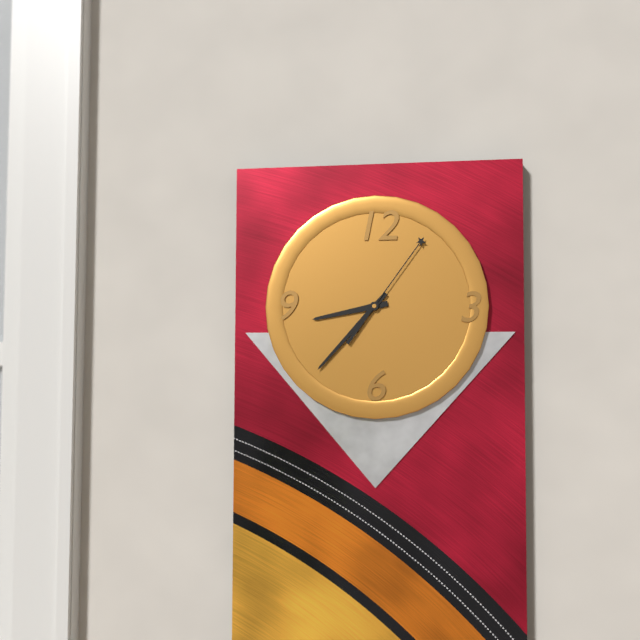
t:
8:37:06
